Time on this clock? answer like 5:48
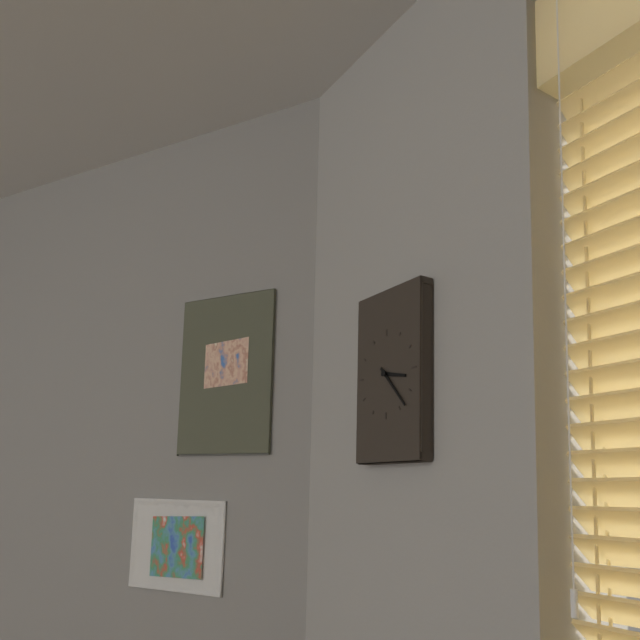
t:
3:23
